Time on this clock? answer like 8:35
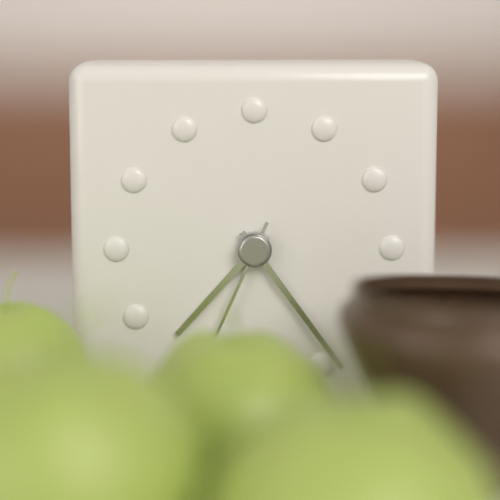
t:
7:24
